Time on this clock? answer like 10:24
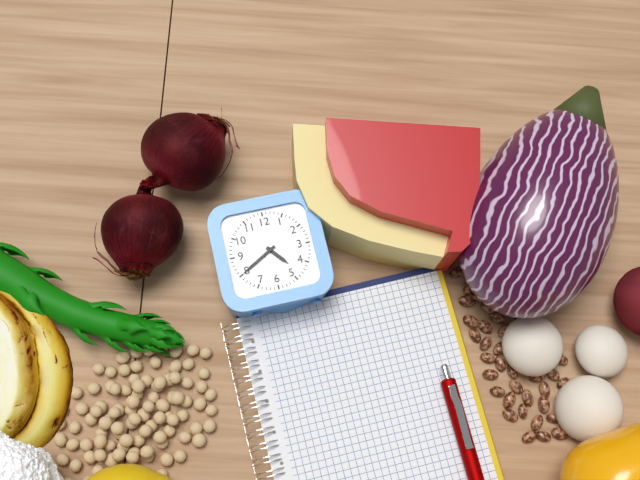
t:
4:40
